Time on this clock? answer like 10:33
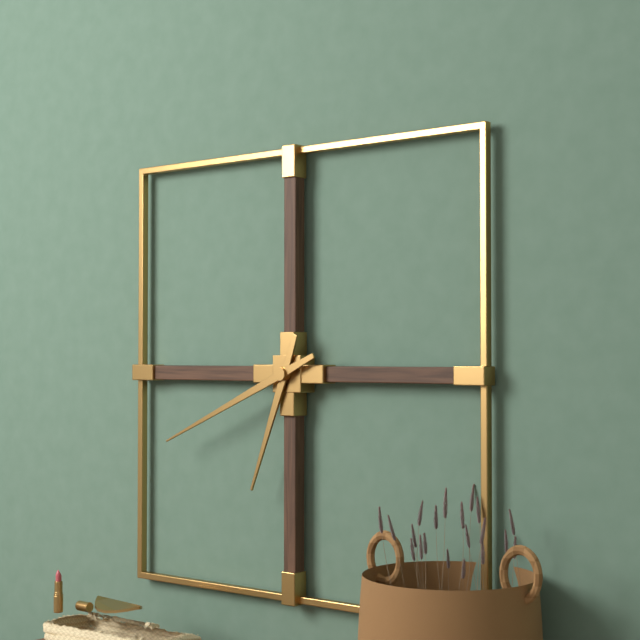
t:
6:41
